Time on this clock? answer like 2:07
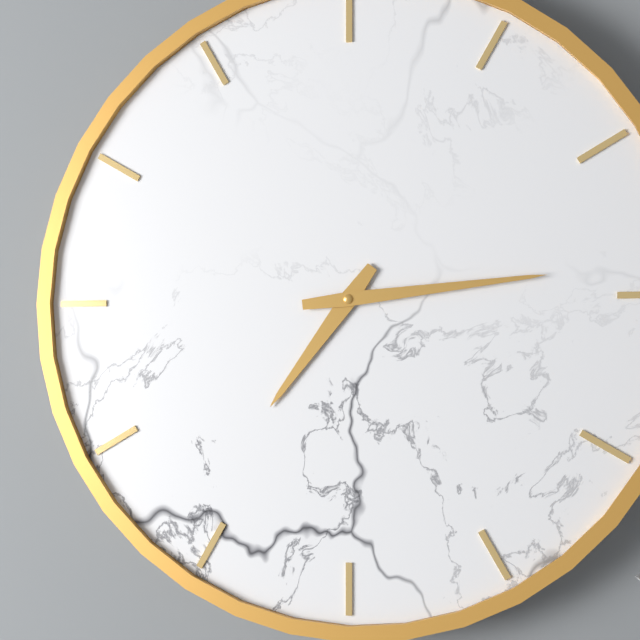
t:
7:14
